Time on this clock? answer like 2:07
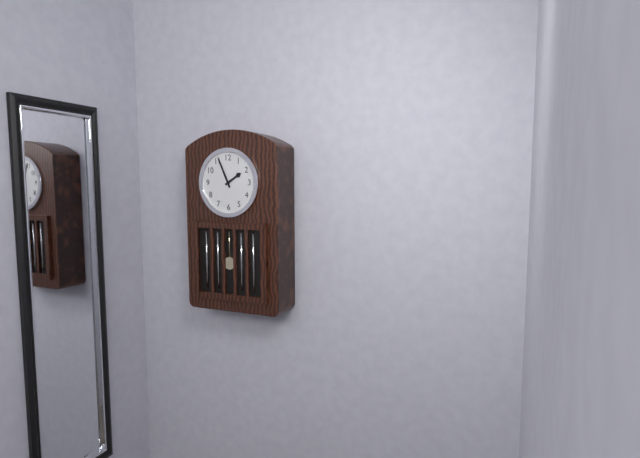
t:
1:56
